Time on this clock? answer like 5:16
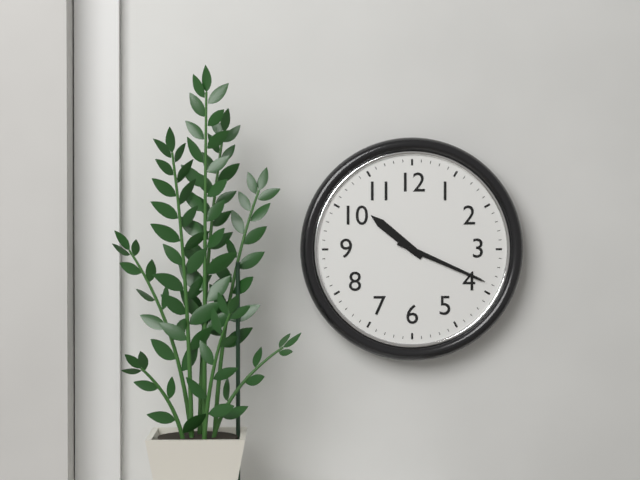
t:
10:19
